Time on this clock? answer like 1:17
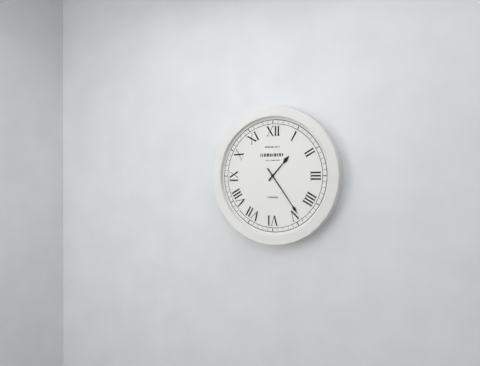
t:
1:24
